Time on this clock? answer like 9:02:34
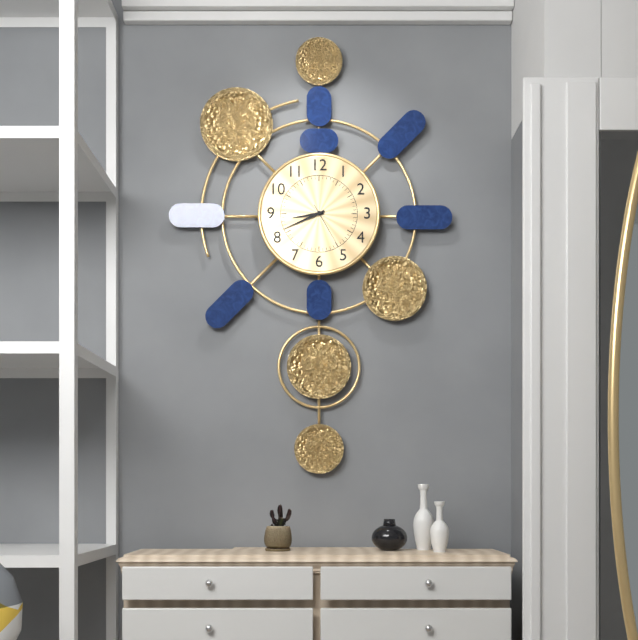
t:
8:41:25
